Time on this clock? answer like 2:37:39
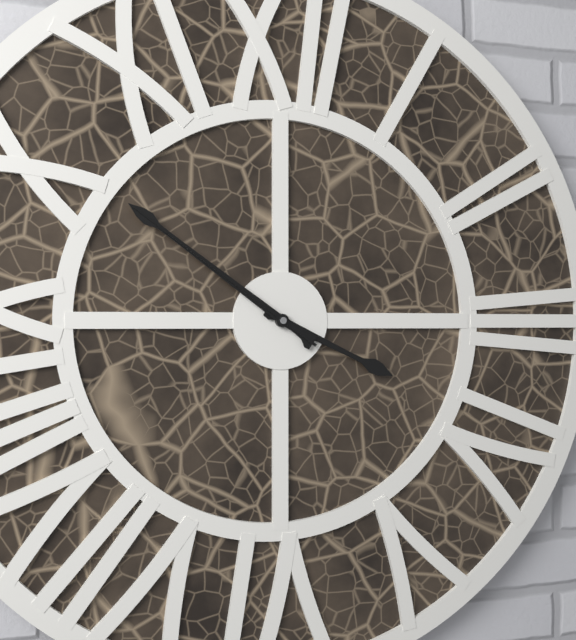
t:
3:51:51
